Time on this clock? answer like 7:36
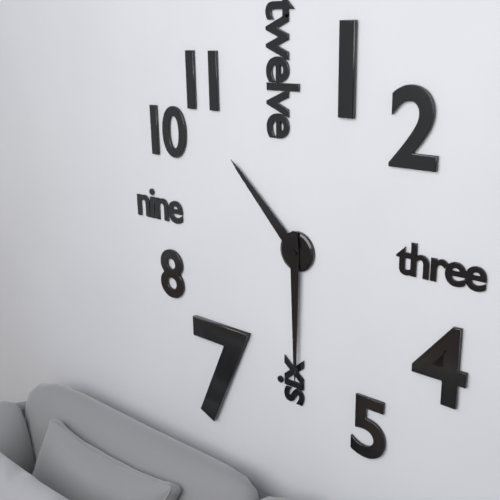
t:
10:30
